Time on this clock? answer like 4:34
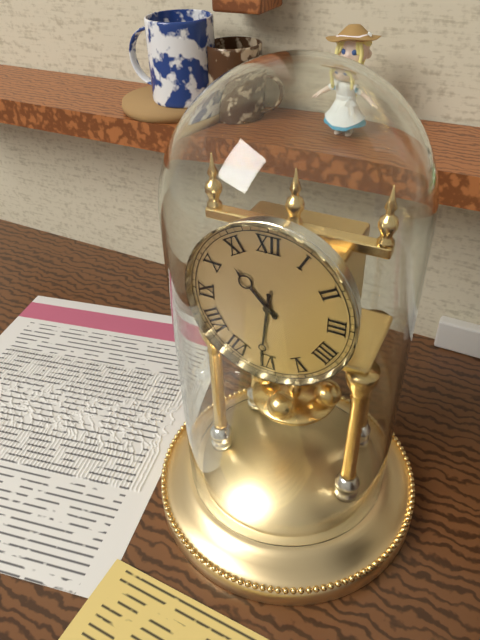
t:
10:31
